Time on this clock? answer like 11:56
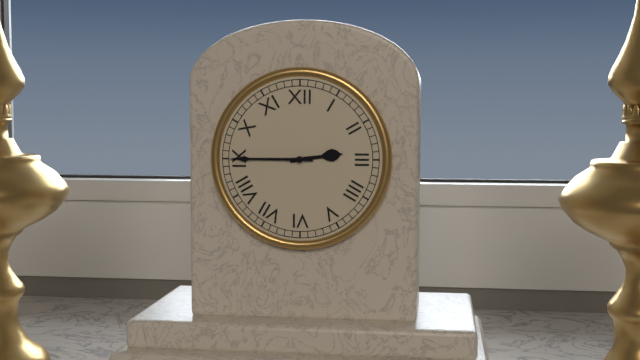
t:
2:45
